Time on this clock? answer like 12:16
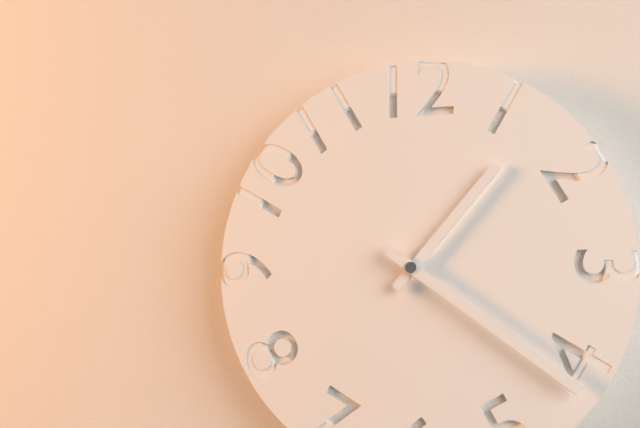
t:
1:21
